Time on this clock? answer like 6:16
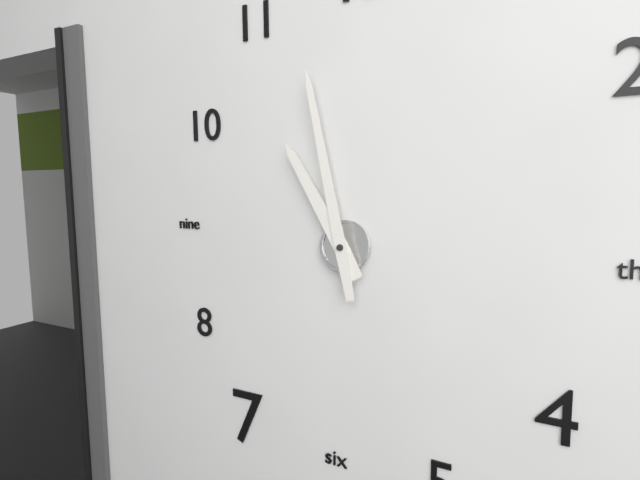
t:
10:58
